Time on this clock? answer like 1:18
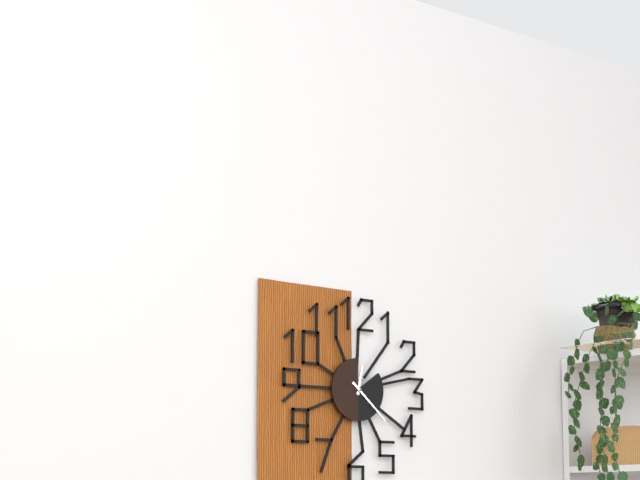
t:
12:22
